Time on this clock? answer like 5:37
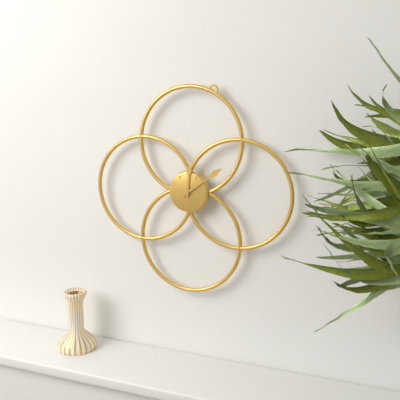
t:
12:09
